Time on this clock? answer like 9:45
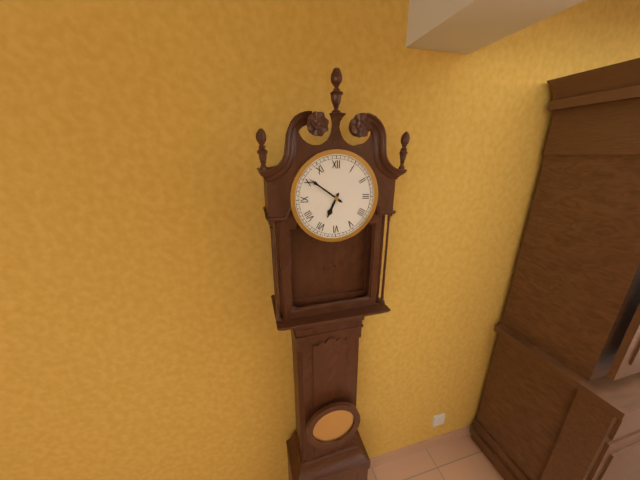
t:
6:51
